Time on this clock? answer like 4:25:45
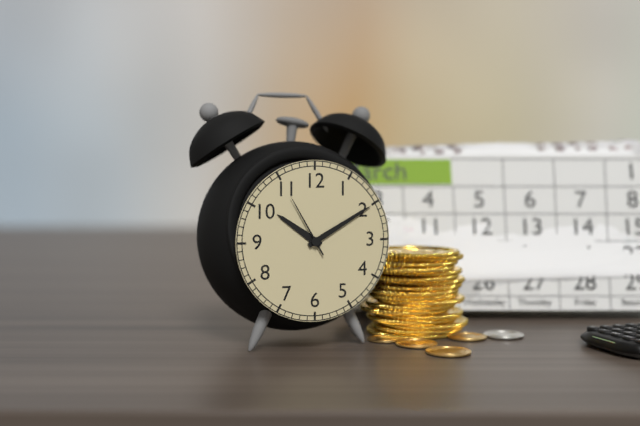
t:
10:10:55
